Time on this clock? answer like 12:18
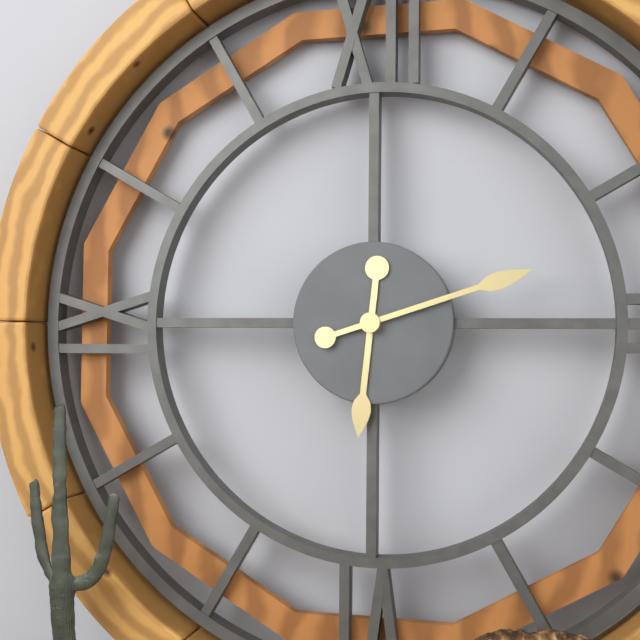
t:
6:12
